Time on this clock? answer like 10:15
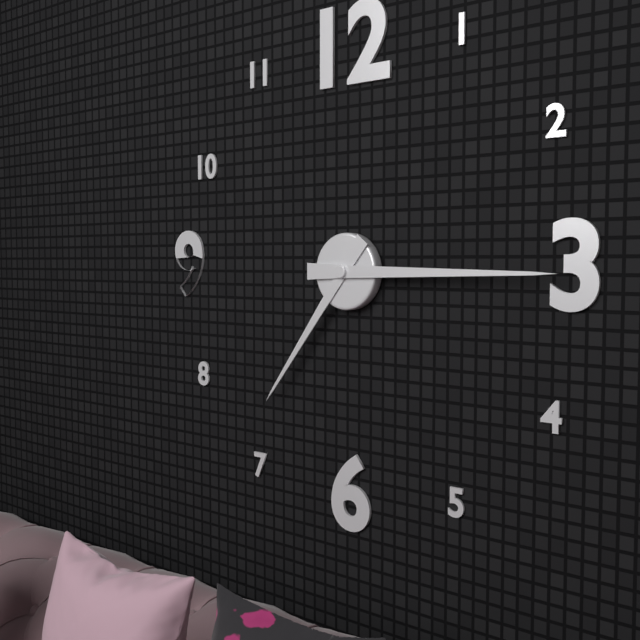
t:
7:15
